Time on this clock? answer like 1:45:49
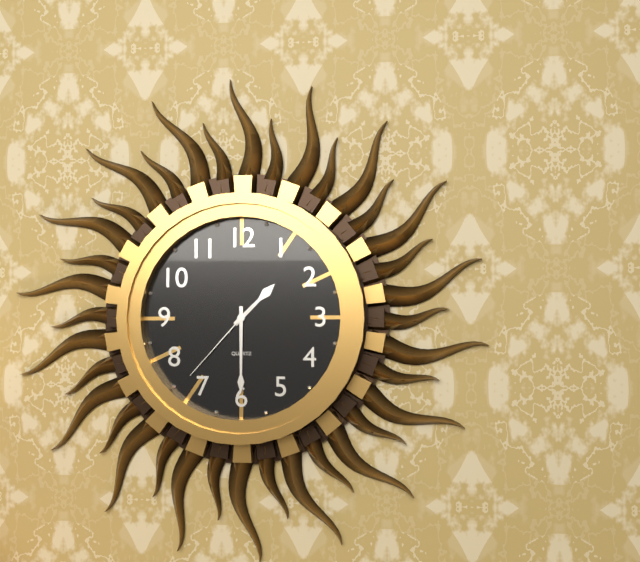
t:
1:30:37
